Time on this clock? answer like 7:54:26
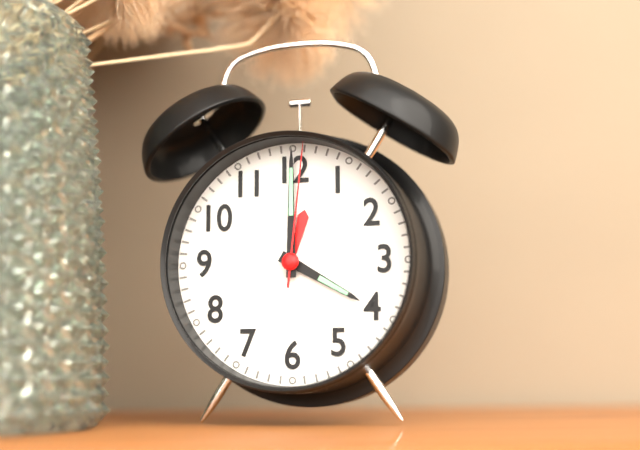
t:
4:00:01
